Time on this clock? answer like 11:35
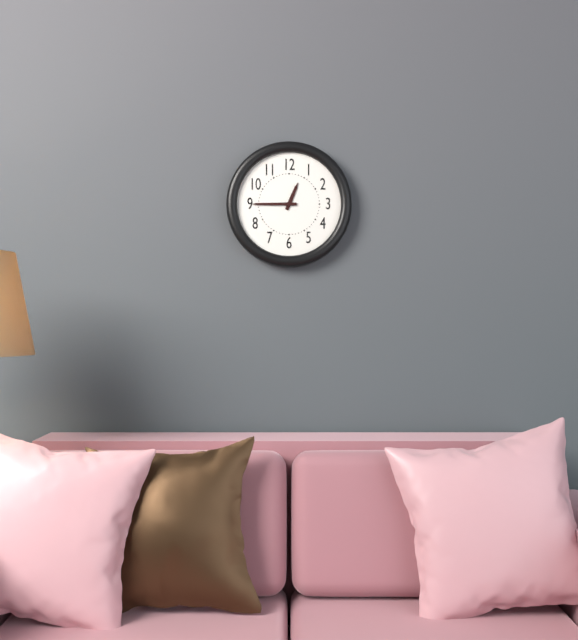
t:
12:45
